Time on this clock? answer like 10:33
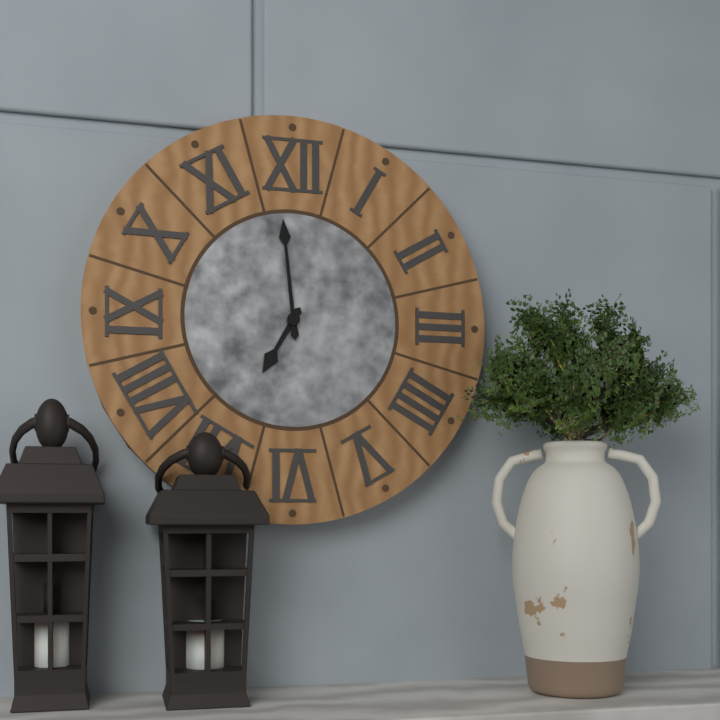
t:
6:59
